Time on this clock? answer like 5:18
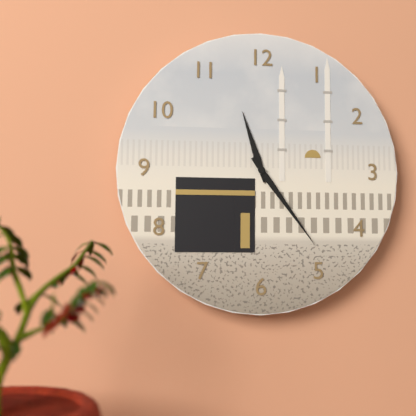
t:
11:24
